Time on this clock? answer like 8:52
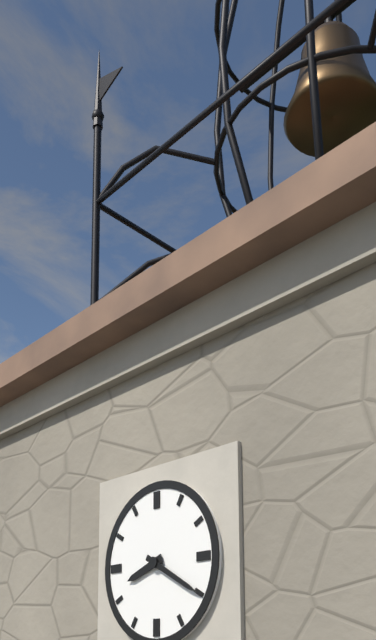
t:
8:20
